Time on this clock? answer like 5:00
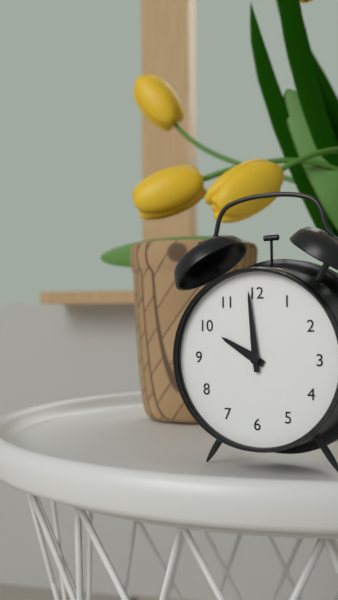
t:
9:59
